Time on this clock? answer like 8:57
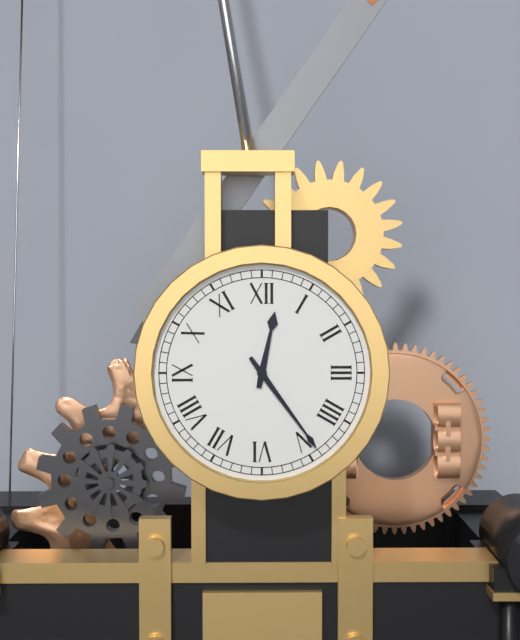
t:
12:24
